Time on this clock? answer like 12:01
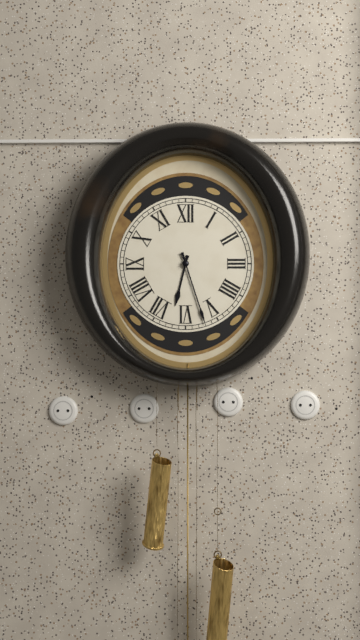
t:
6:27
